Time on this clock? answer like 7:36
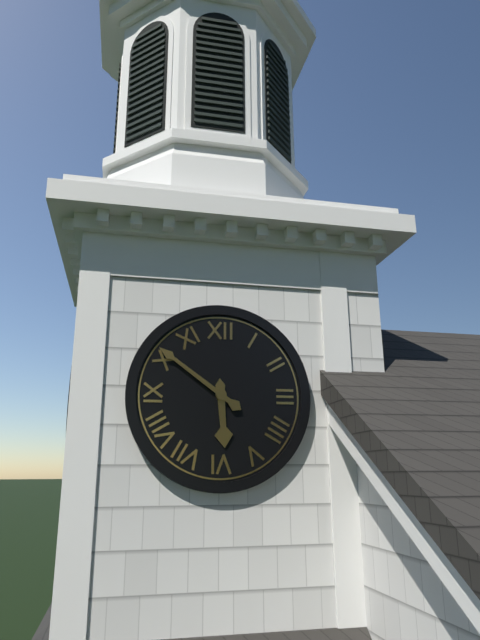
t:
5:51
